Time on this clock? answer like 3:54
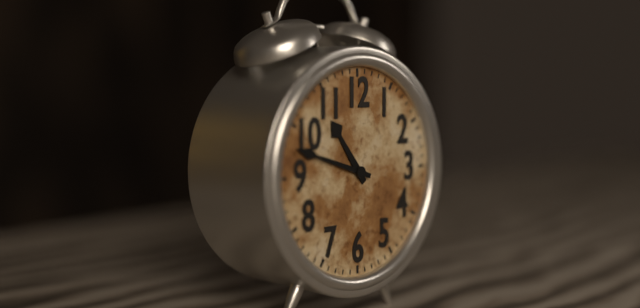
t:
10:48
